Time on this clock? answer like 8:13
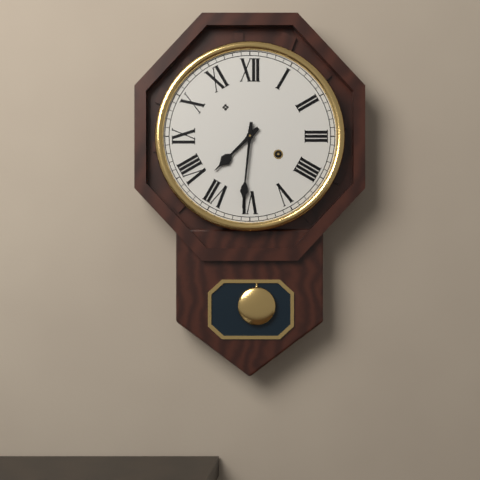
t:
7:31
